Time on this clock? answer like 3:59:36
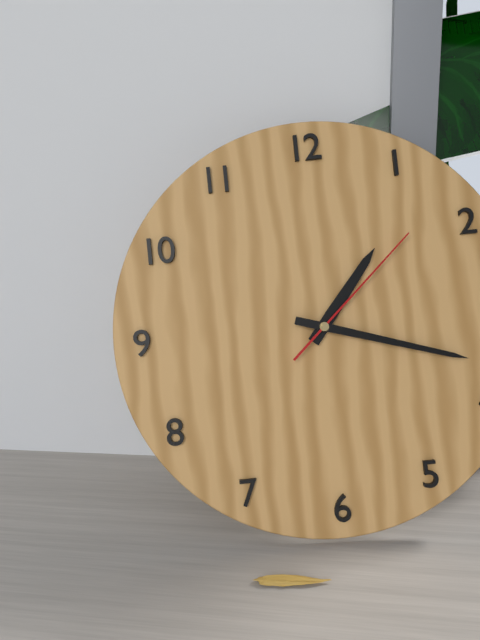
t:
1:18:08
